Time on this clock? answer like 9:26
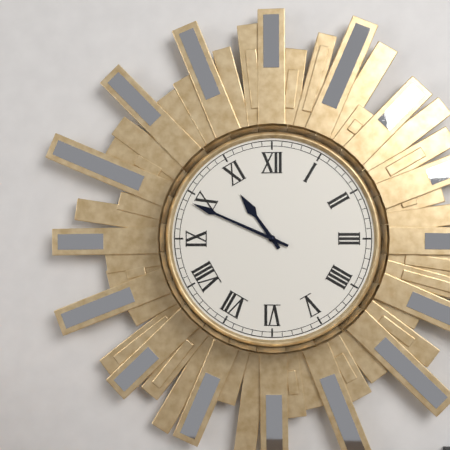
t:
10:49
